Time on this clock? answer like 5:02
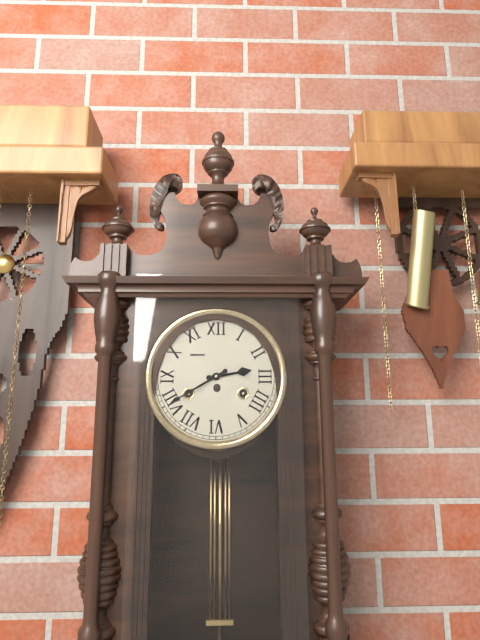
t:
2:40
